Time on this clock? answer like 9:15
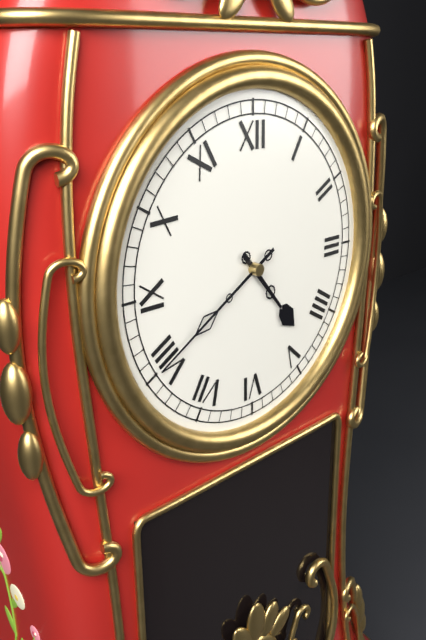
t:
4:40
